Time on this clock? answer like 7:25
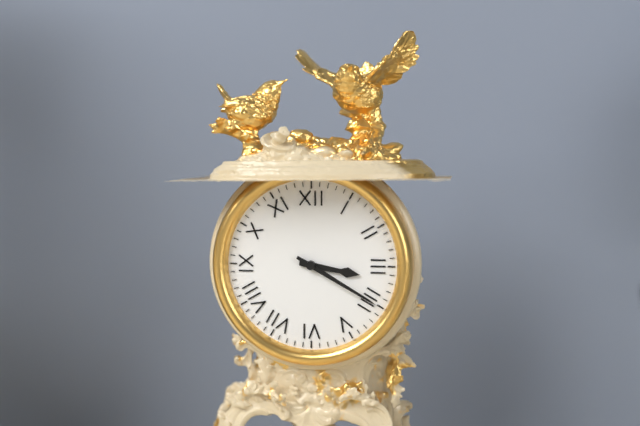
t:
3:20
